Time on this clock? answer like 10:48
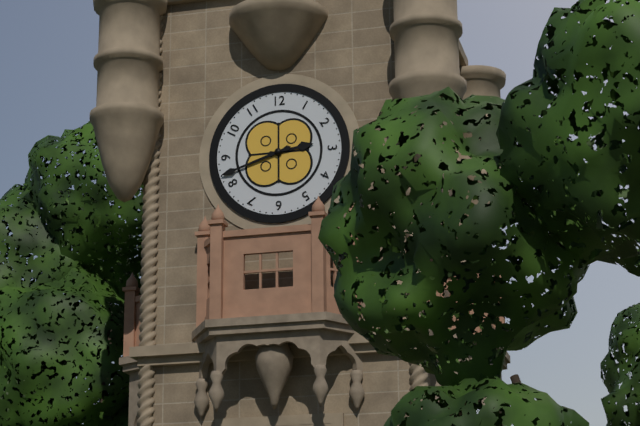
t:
2:42
